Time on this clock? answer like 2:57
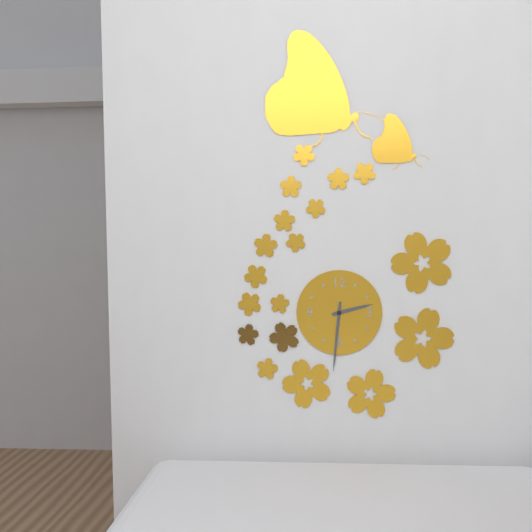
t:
2:31
